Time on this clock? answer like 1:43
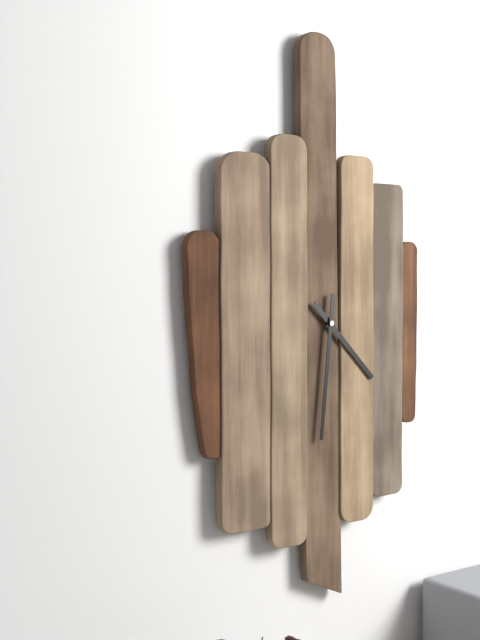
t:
4:31
